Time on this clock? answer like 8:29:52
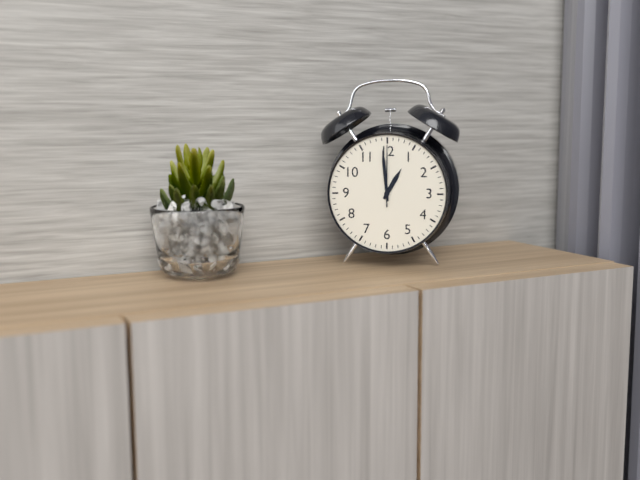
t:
12:59:00
